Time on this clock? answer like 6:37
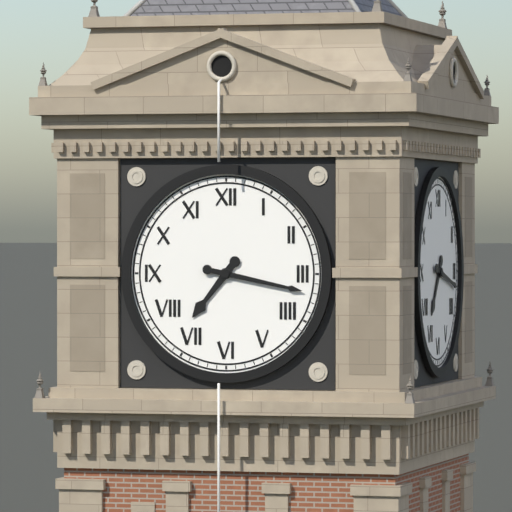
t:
7:17
